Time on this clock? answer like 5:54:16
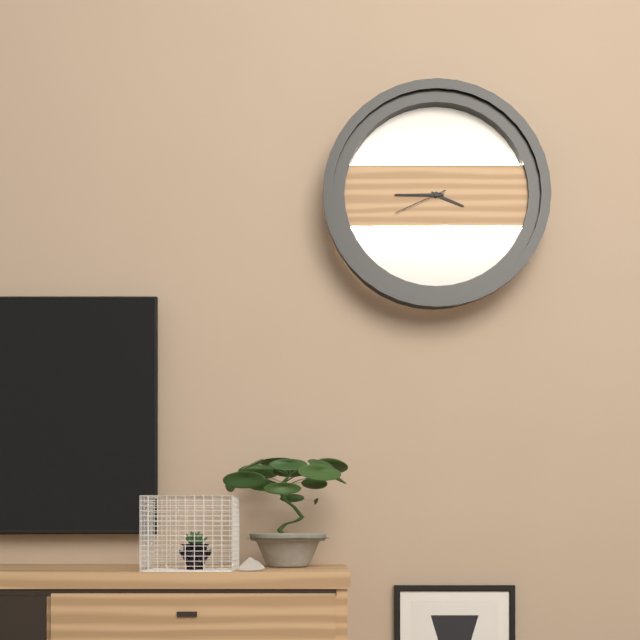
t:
3:45:41
